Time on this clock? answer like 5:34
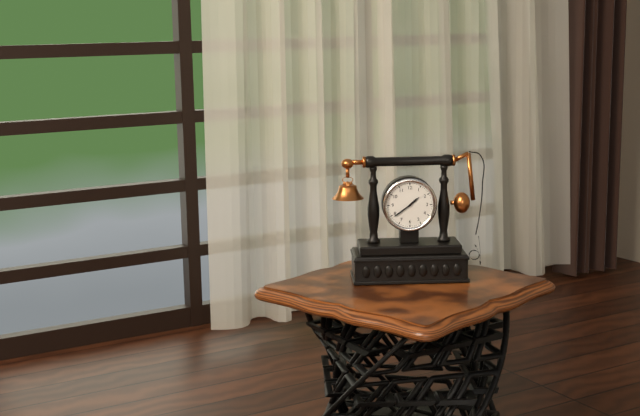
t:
1:39
